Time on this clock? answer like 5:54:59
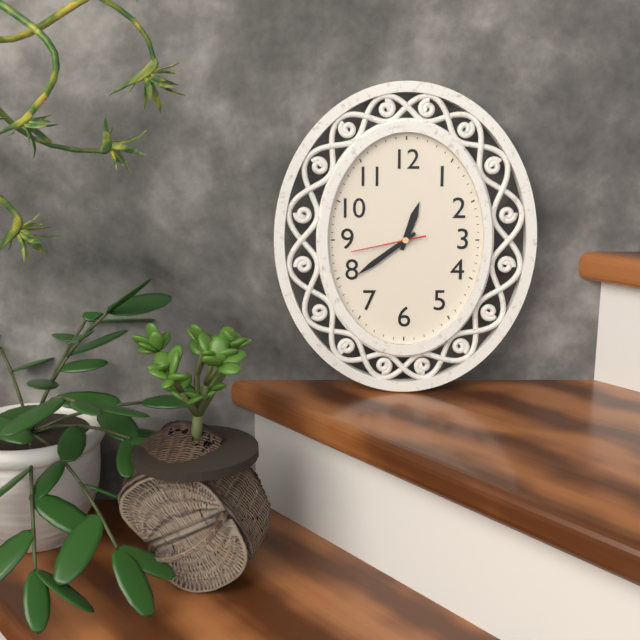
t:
12:39:43
